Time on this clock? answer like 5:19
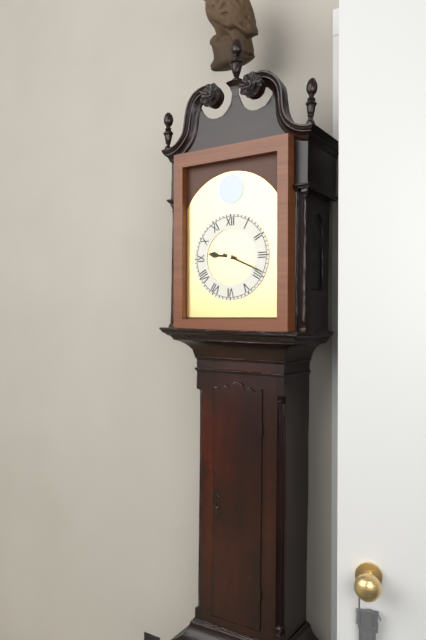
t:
9:19
